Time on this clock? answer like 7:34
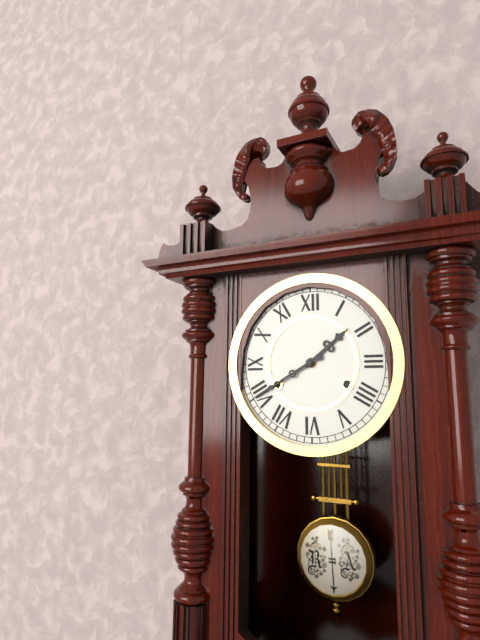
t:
1:40
